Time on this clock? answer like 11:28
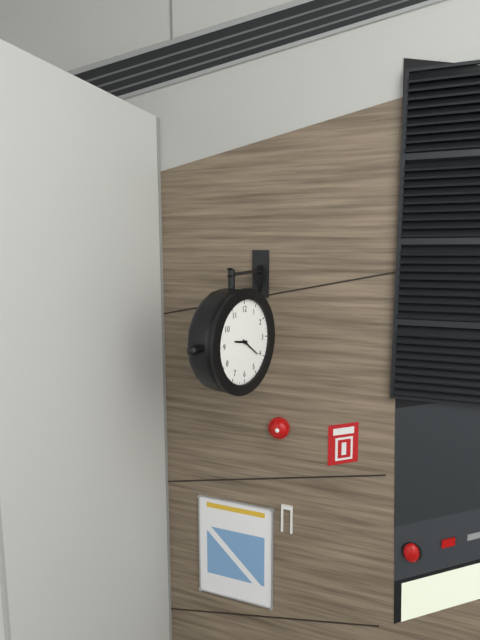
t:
9:21
